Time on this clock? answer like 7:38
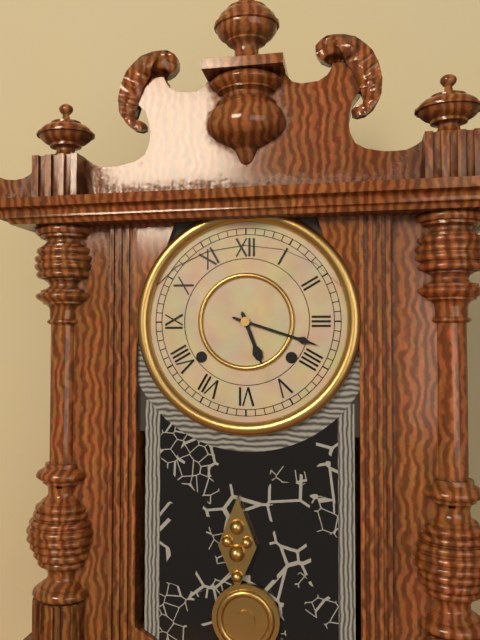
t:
5:18
